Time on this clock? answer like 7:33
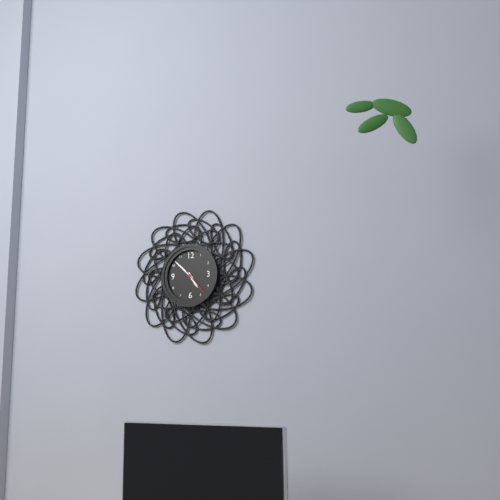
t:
4:52
